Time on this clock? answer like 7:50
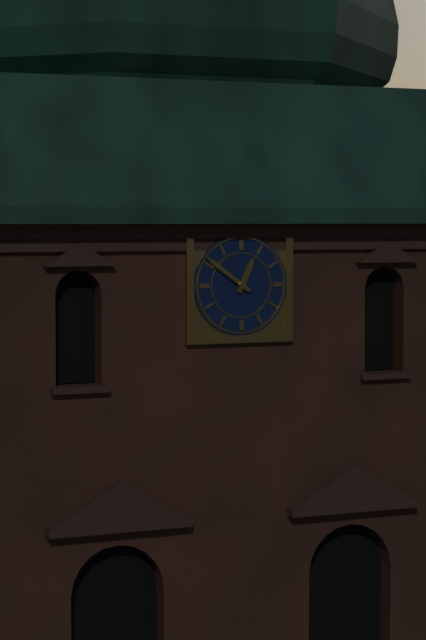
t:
12:51
